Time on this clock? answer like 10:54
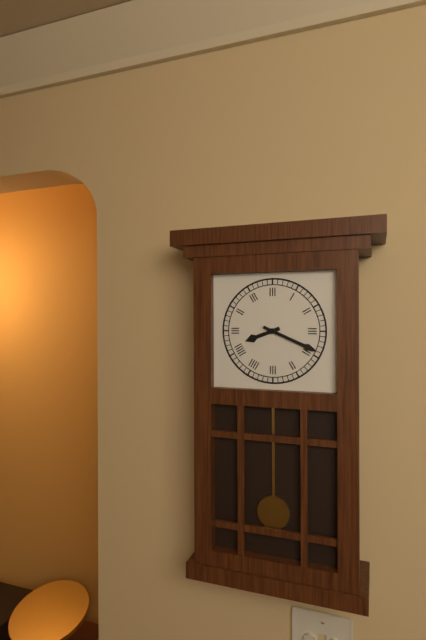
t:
8:19
